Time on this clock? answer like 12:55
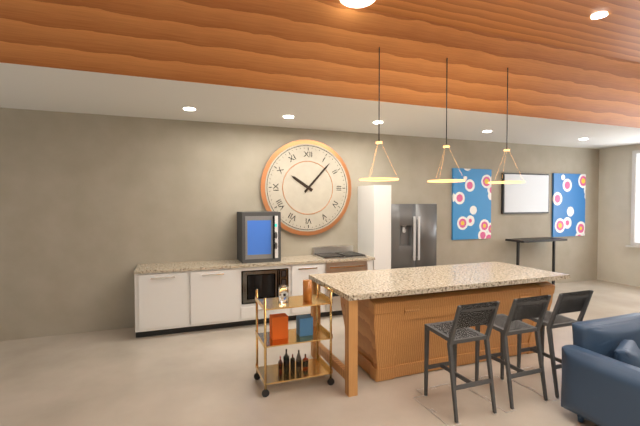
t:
10:07
